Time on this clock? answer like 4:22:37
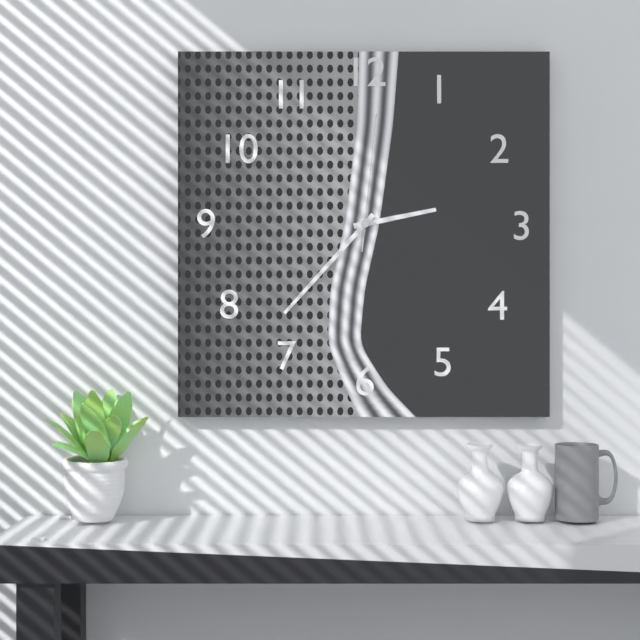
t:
2:37:01
